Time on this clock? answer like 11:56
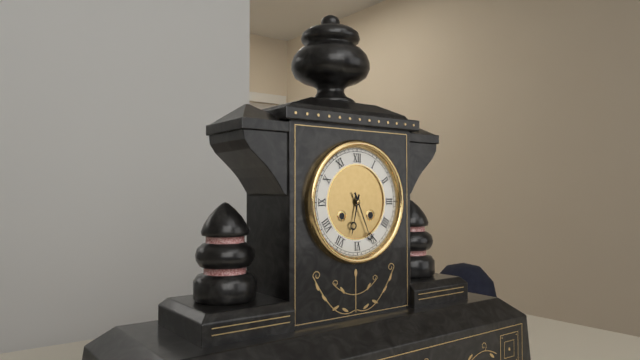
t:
6:26
